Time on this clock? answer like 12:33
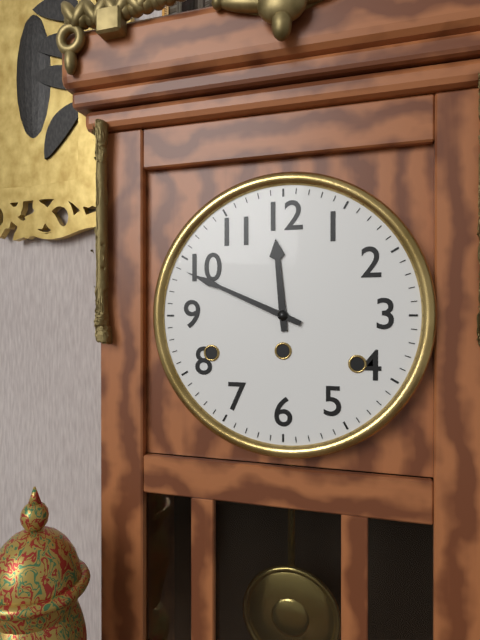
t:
11:49
